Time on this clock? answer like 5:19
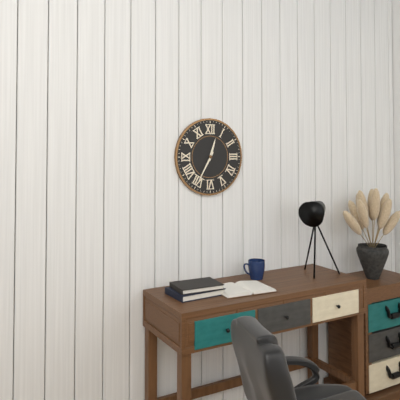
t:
12:35
